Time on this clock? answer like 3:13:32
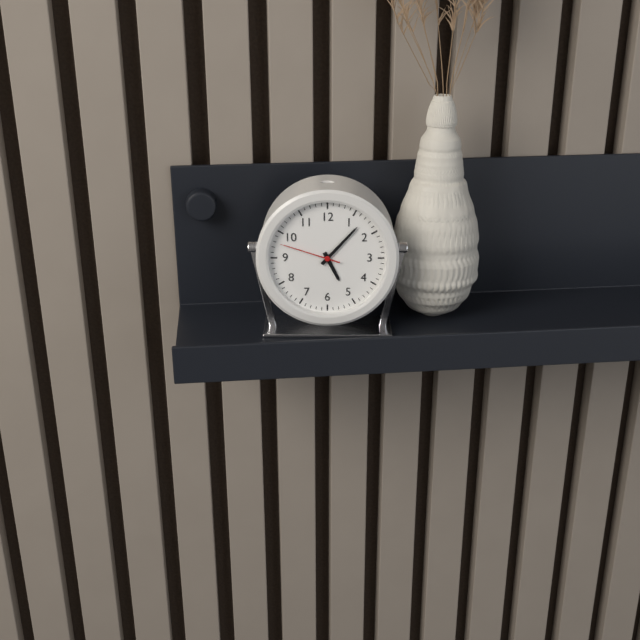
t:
5:07:48
